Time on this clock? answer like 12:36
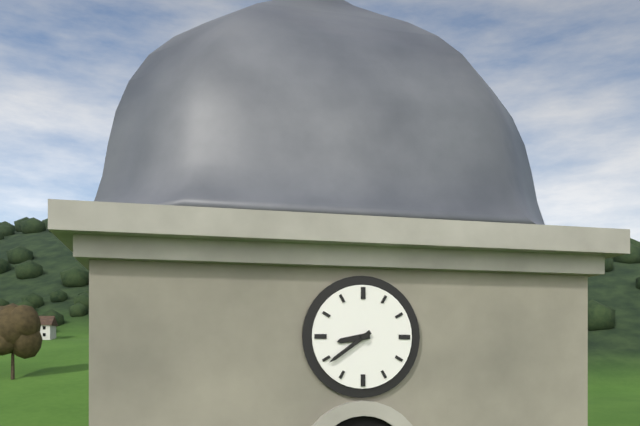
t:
8:39
